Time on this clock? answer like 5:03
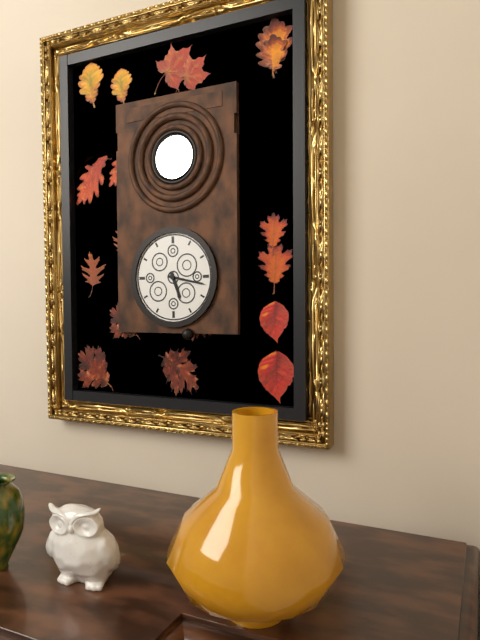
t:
5:17
